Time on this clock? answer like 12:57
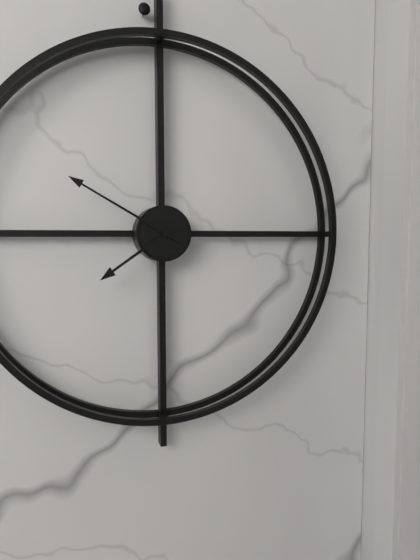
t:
7:50
